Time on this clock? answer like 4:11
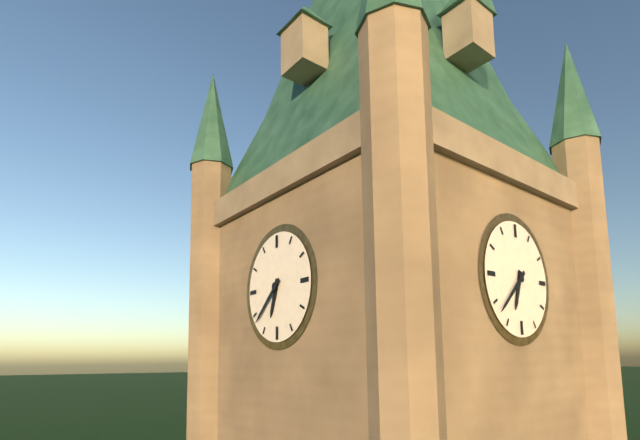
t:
6:38
